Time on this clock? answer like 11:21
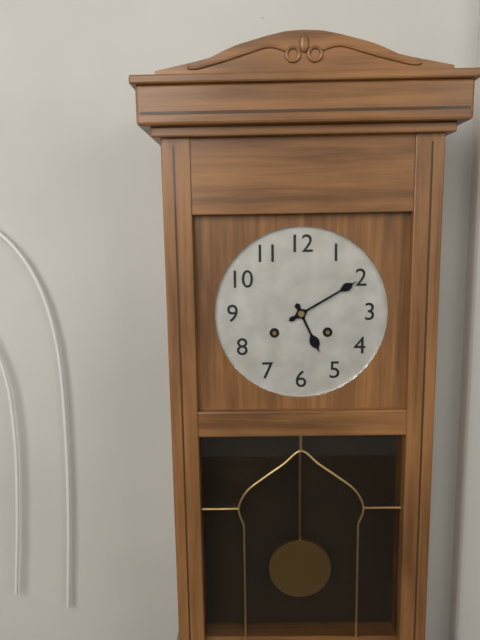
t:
5:10
